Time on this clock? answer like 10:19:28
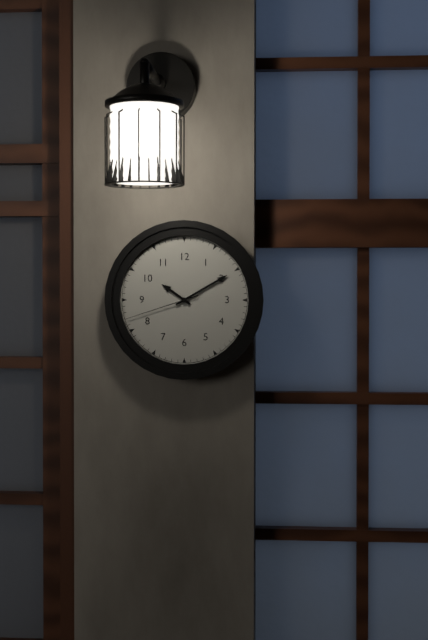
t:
10:10:42
